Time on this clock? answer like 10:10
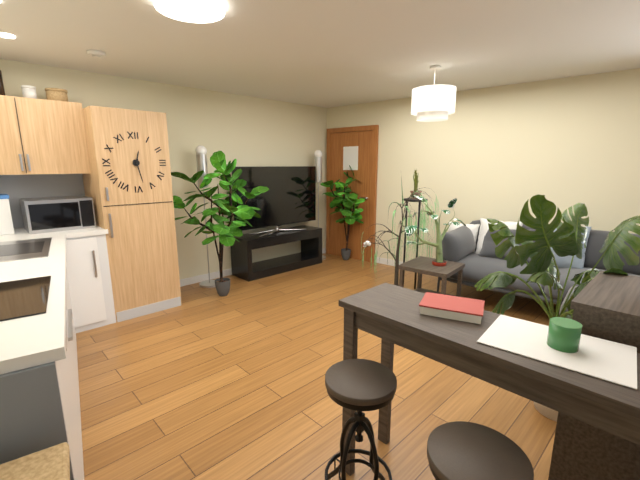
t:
12:28
